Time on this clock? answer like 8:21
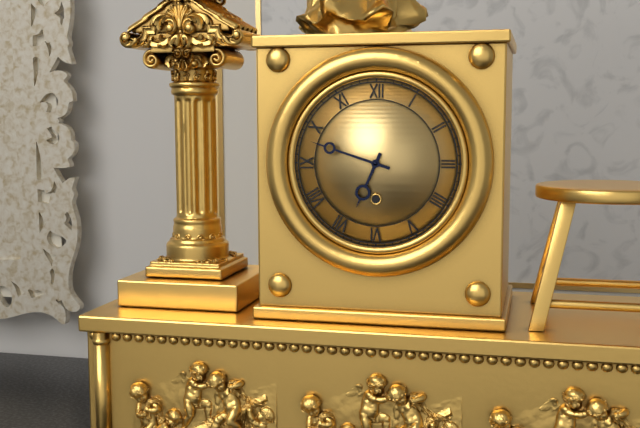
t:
6:48
